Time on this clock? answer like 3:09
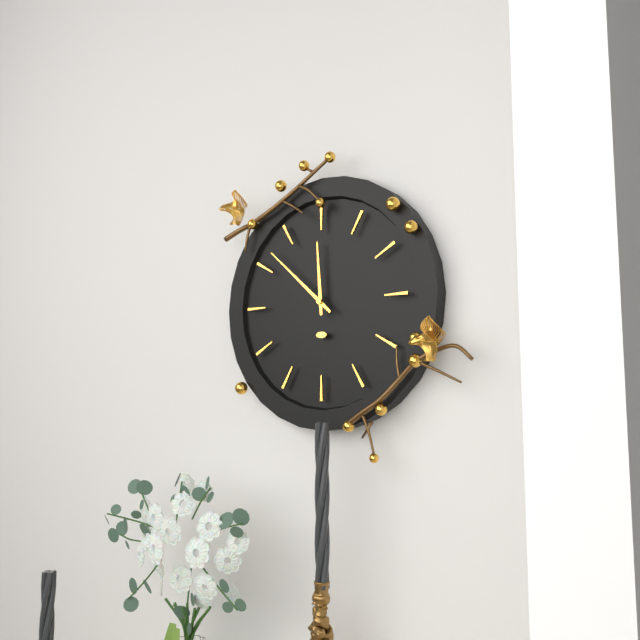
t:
11:52
